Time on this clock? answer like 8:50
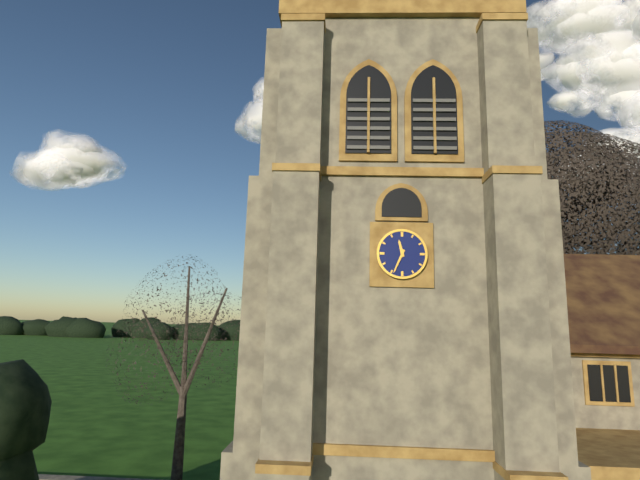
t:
11:34
